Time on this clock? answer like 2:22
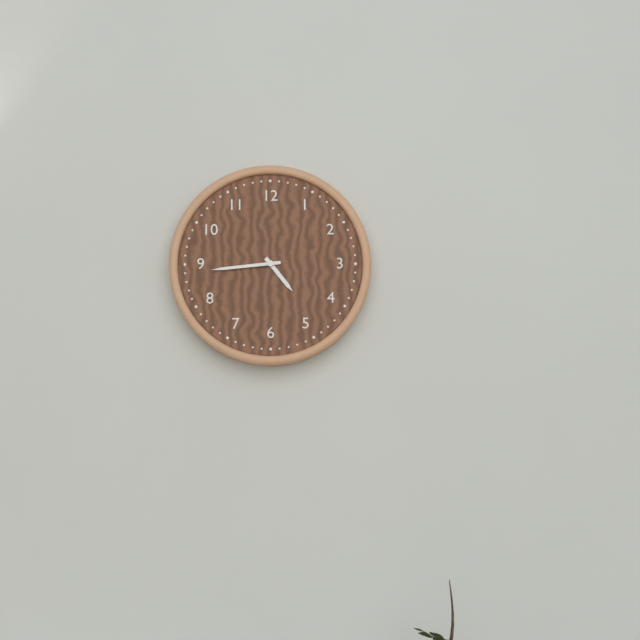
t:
4:44
